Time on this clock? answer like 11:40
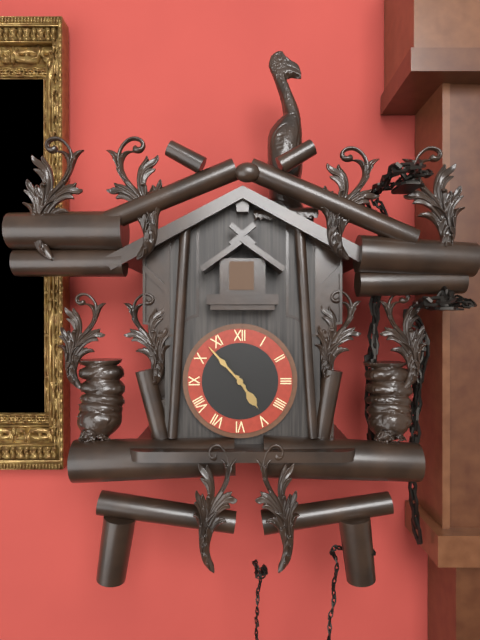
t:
4:53
